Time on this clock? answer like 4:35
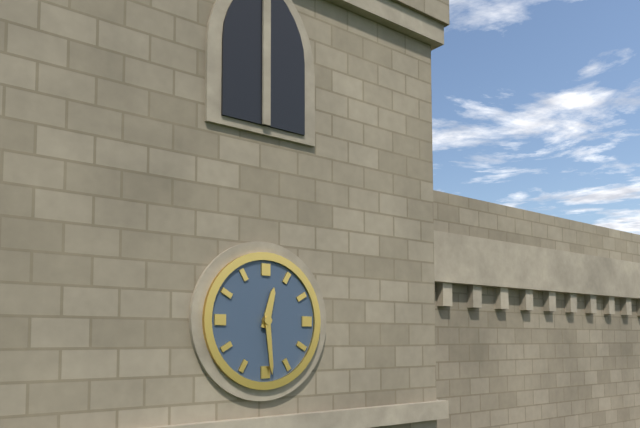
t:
12:29
